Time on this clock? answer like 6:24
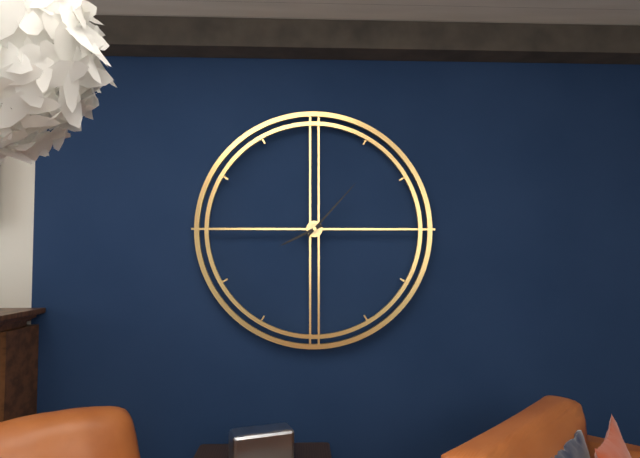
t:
8:07
